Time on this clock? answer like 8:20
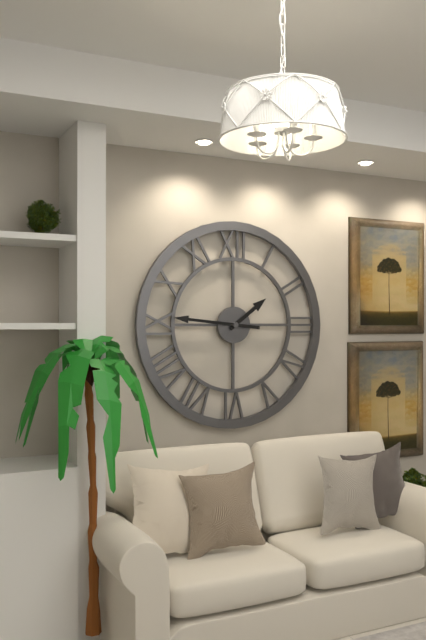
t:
1:46
